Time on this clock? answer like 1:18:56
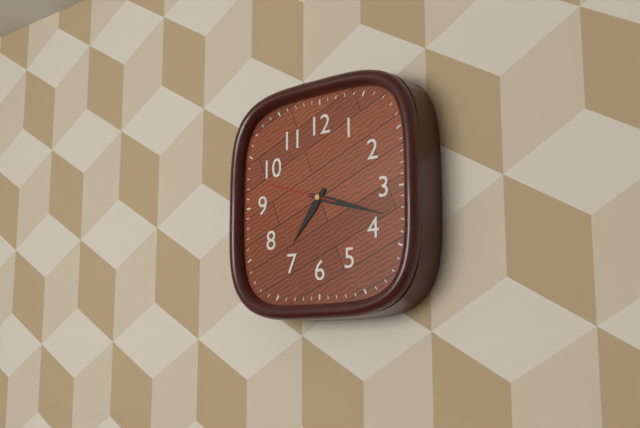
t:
7:18:48
